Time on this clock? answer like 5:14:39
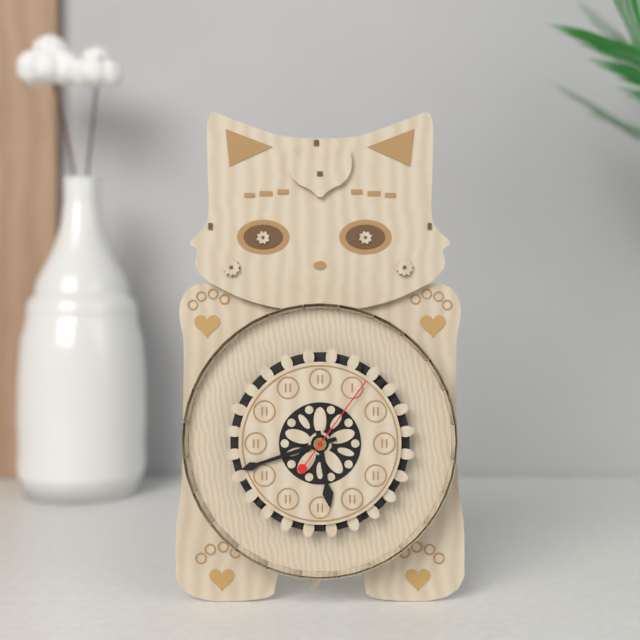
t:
5:42:06
